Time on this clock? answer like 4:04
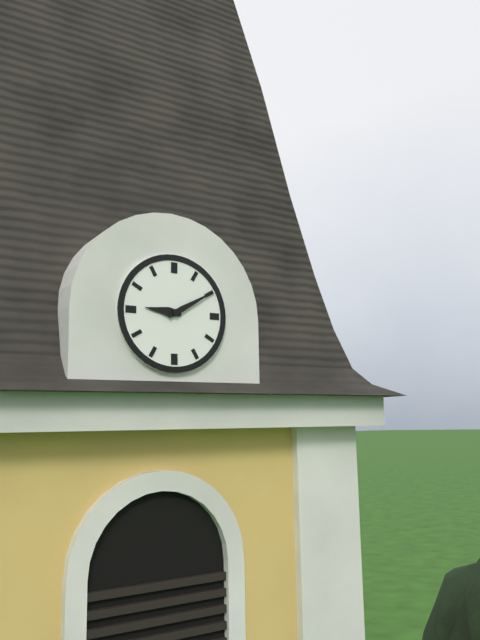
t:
9:10
